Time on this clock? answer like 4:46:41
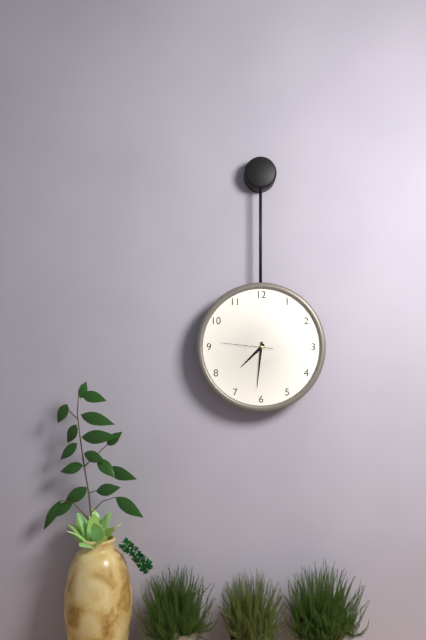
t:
7:31:46
